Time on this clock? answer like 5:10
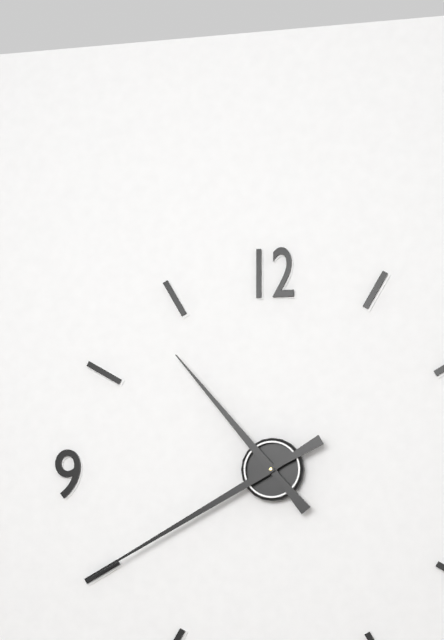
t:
10:40
